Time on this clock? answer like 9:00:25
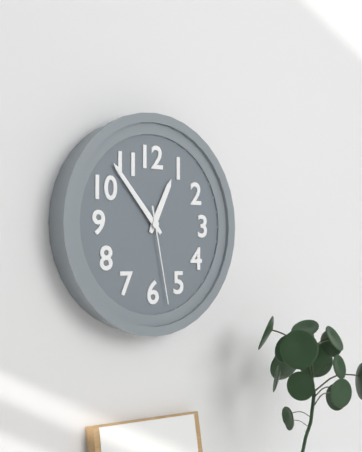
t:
12:53:28
